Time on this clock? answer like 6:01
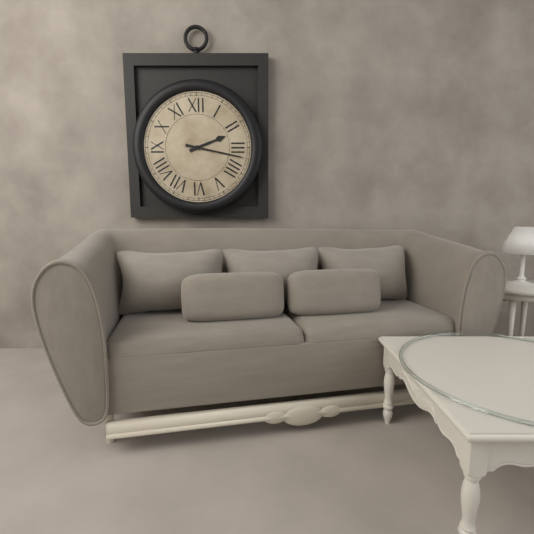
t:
2:17
